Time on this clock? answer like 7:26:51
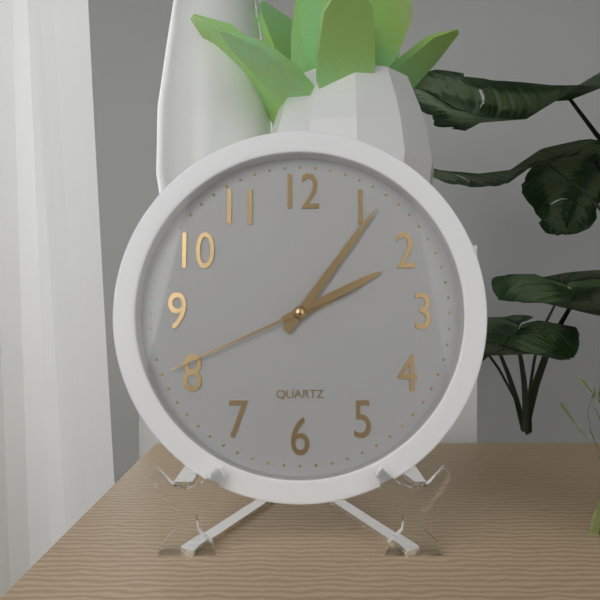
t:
2:06:41
